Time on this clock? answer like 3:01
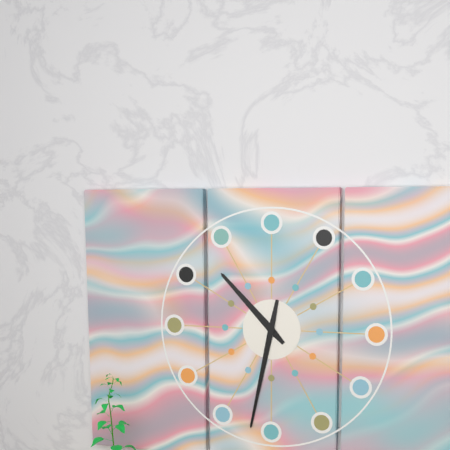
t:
10:32
